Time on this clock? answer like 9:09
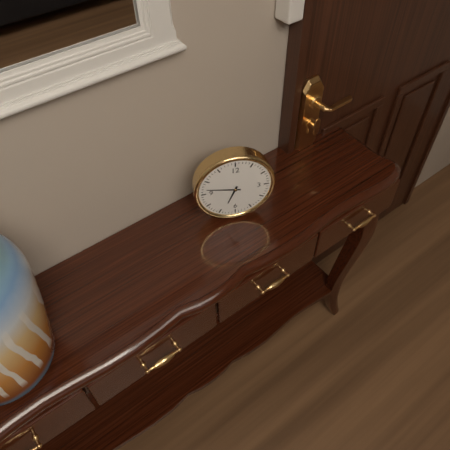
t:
6:47
